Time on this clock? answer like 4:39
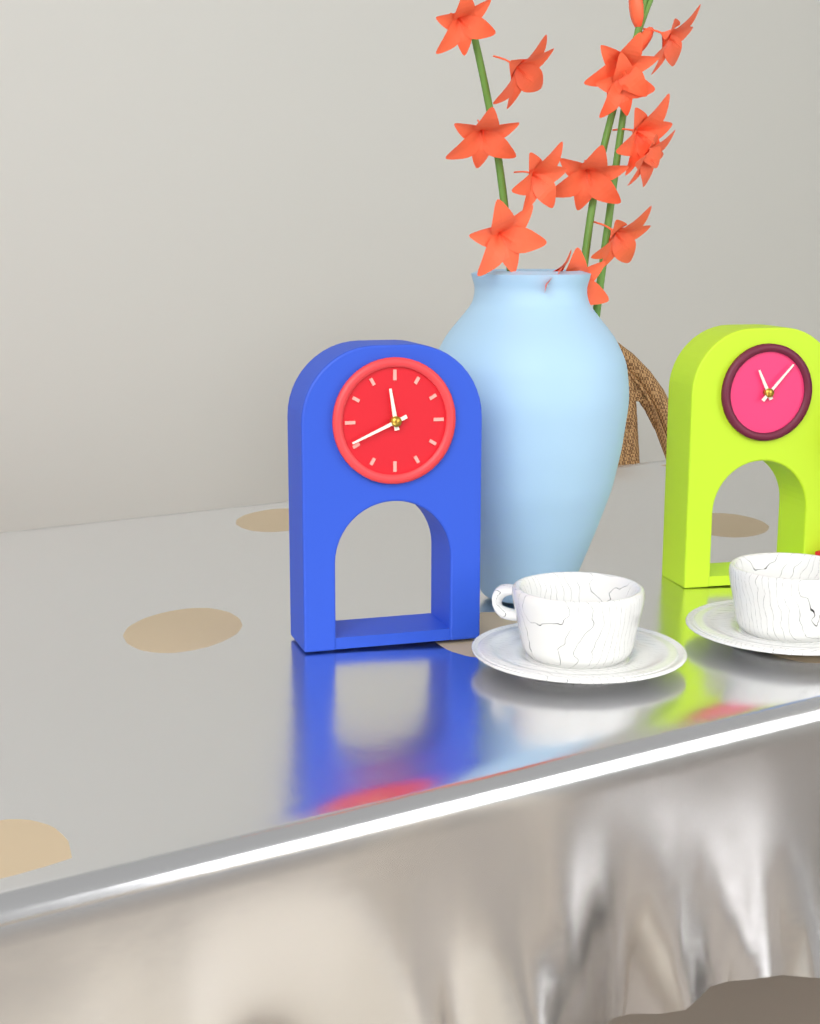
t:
11:41
